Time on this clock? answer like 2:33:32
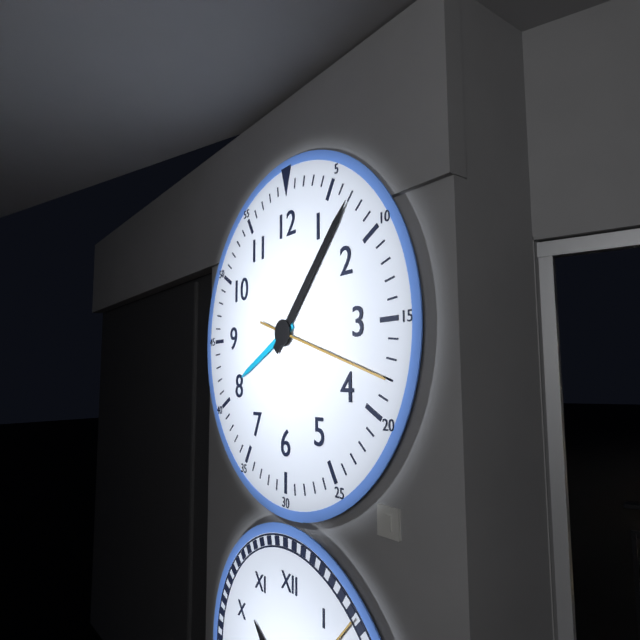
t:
8:07:18
